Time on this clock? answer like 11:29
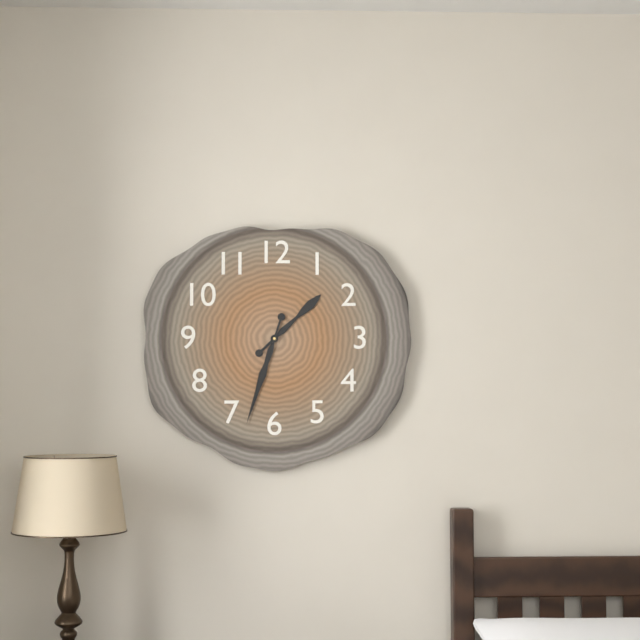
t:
1:33
